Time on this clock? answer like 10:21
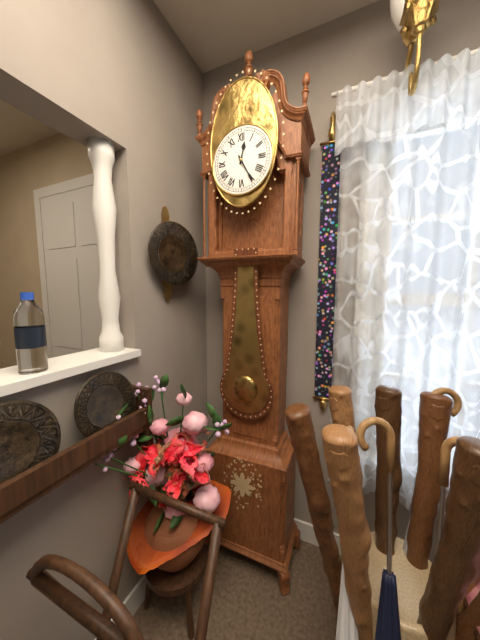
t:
12:25
